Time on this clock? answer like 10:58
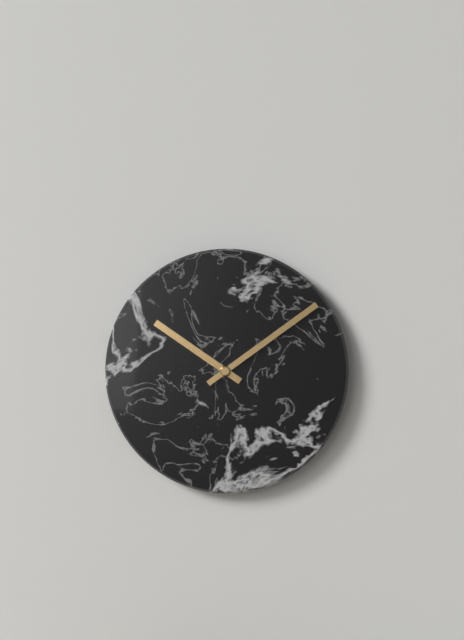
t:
10:09
